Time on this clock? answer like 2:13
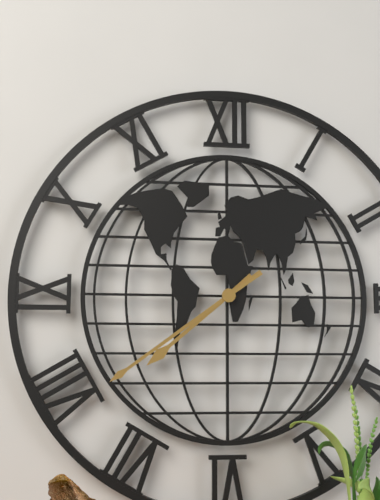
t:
7:39
